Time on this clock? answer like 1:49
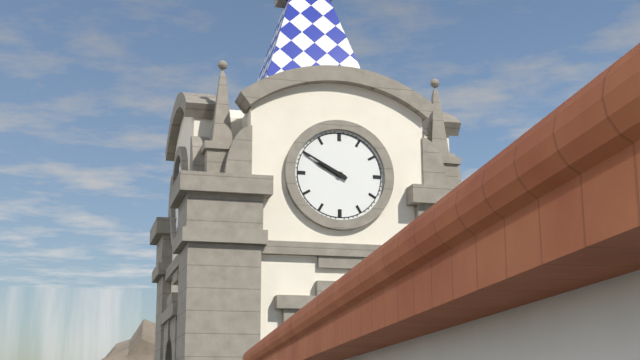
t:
9:50
